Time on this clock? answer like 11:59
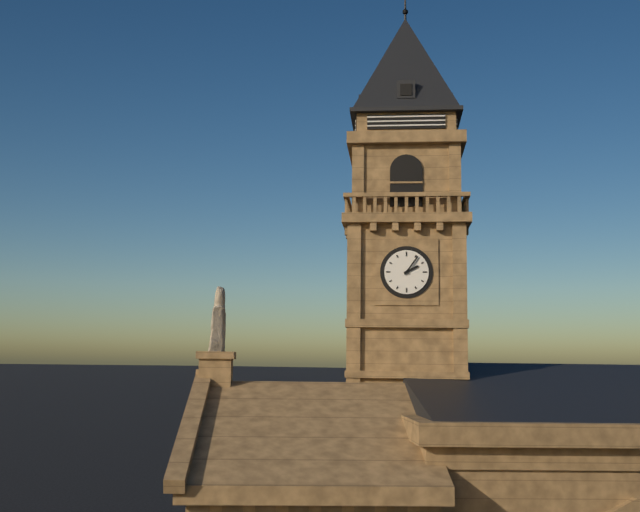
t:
2:06
